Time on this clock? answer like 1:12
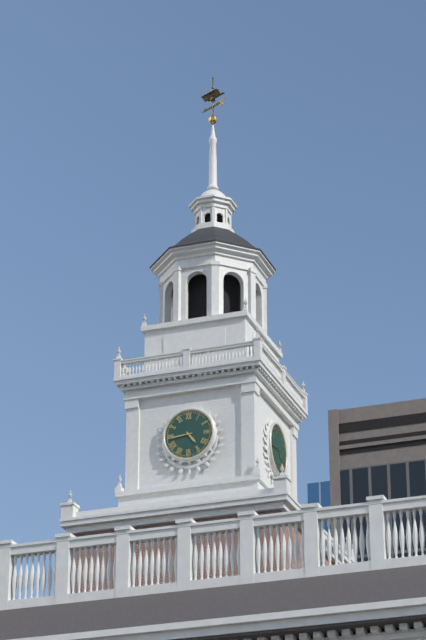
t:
4:44
